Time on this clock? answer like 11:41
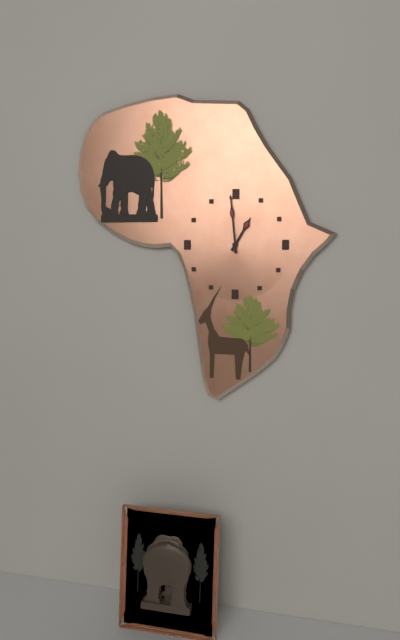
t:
12:59
